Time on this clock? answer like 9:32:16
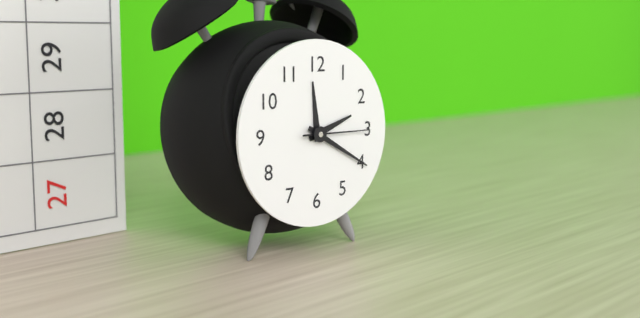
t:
2:20:15
